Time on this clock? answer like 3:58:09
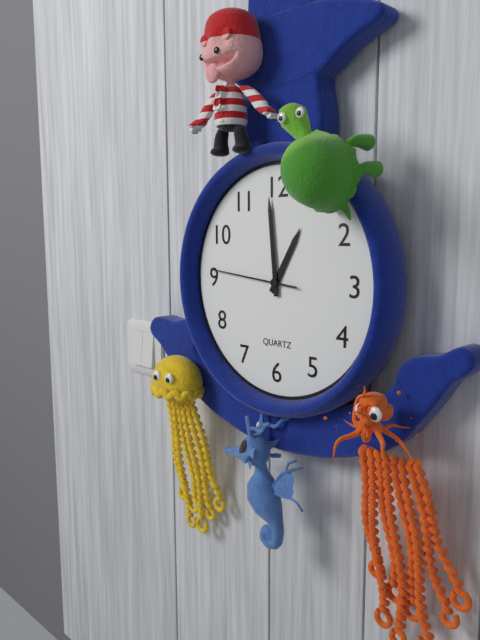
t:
12:59:46
